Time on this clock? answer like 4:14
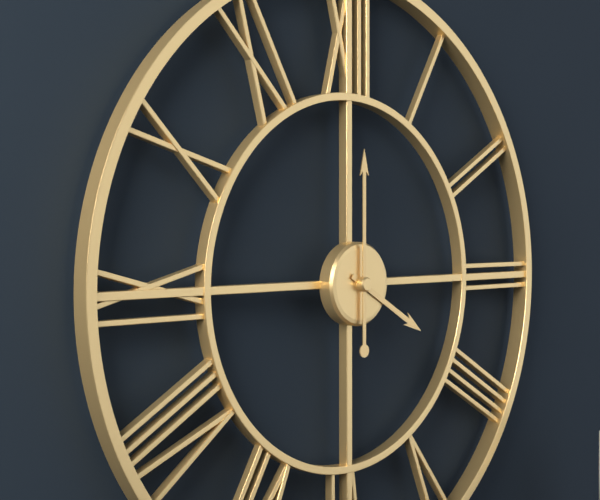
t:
4:00
